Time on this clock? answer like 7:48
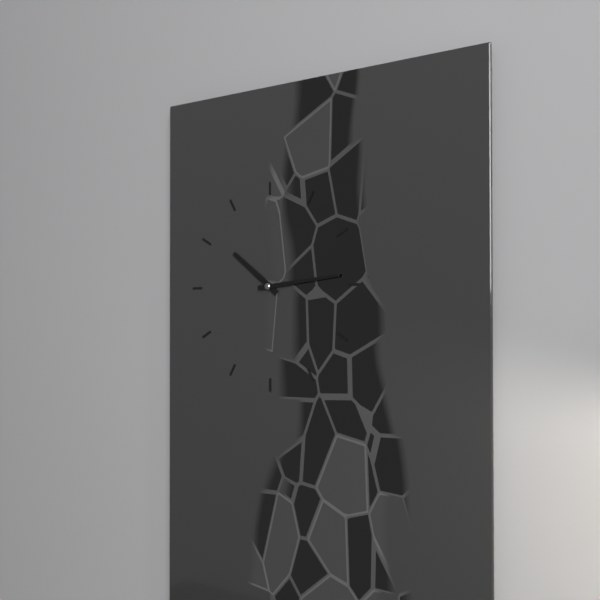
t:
10:14
